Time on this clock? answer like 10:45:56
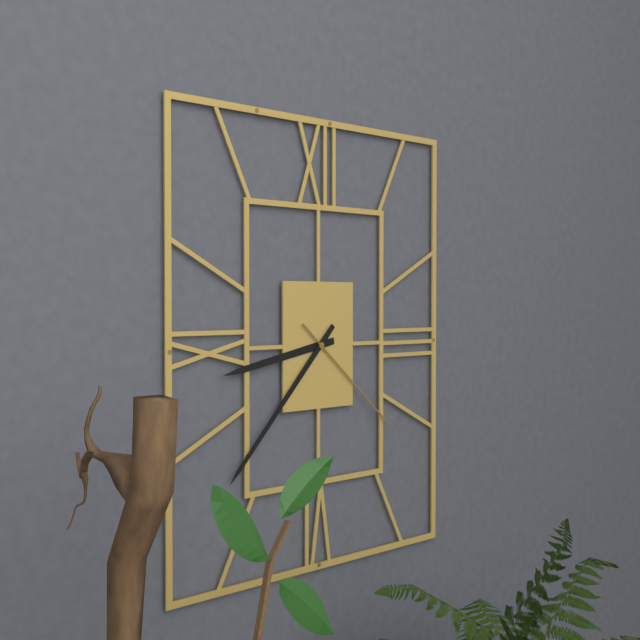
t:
8:37:22
